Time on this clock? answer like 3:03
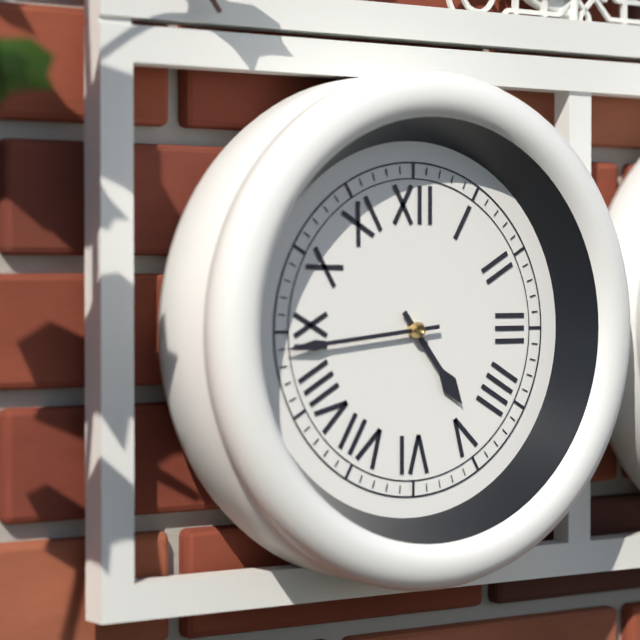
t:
4:44
